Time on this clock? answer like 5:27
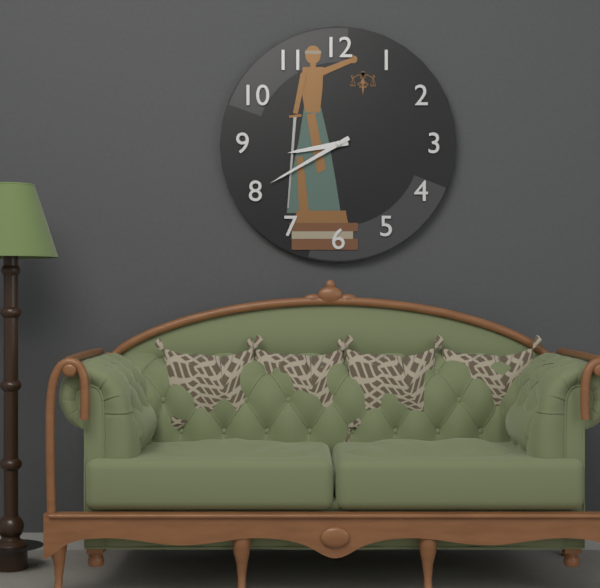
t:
8:40
